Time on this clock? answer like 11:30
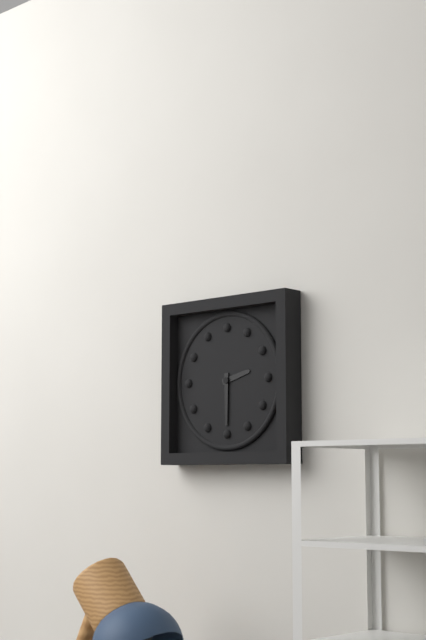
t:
2:30
